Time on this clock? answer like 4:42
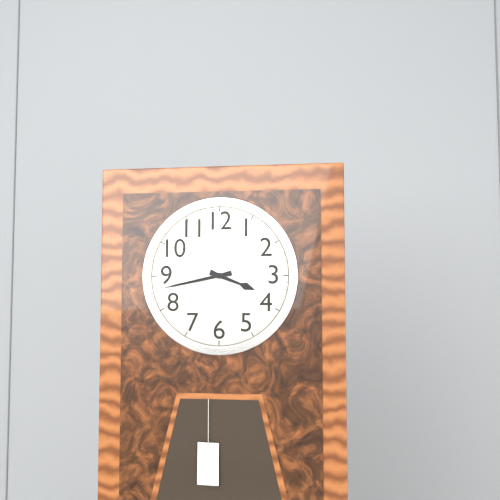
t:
3:43
